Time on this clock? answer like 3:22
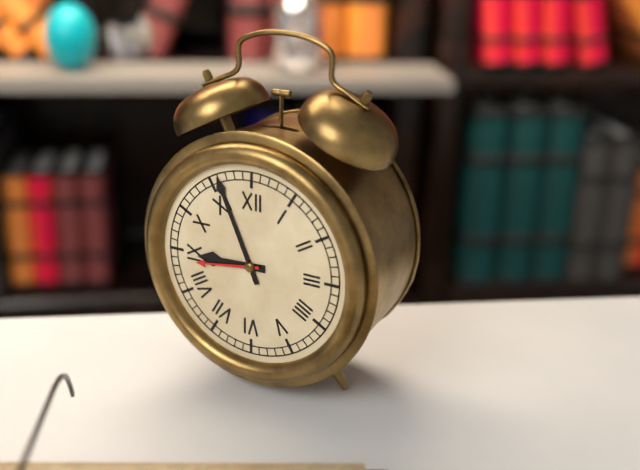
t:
8:56
